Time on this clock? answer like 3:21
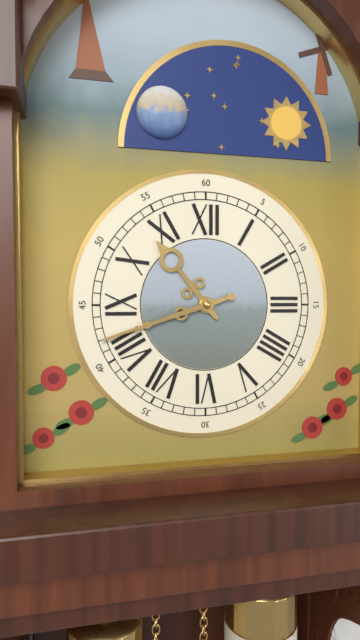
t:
10:42
